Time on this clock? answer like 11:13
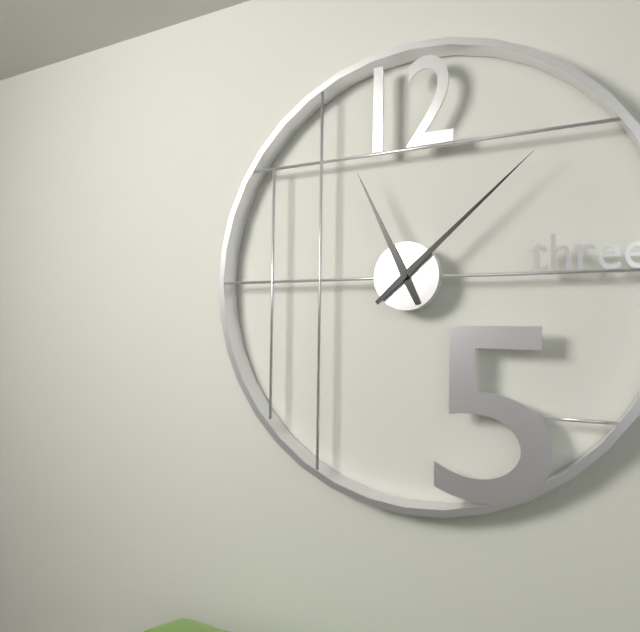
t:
11:08
